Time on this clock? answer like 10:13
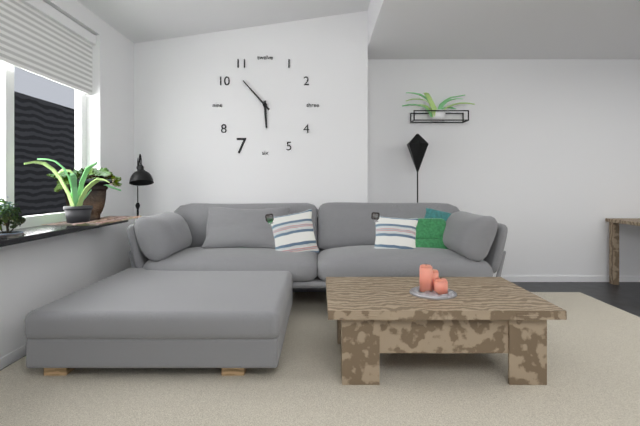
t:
5:53
